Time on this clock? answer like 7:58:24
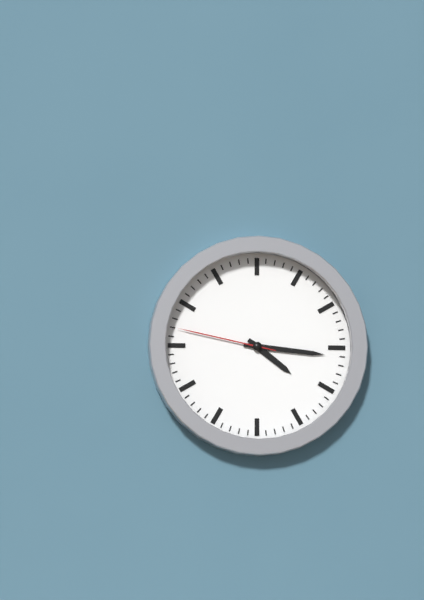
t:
4:16:47
